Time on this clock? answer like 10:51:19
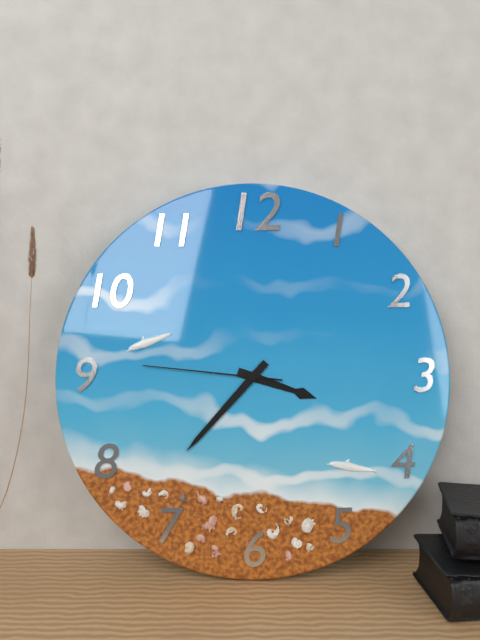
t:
3:37:46
